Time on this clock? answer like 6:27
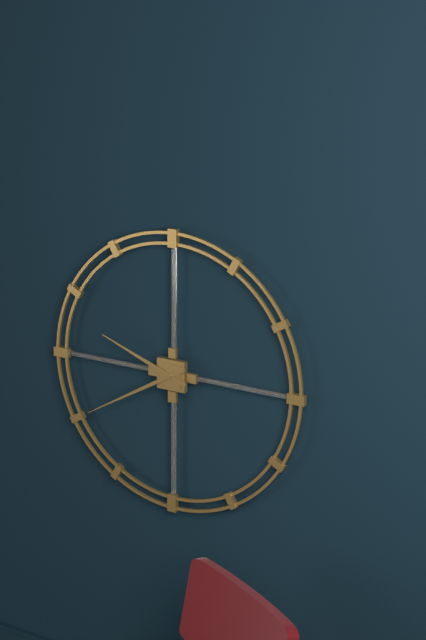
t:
9:40
